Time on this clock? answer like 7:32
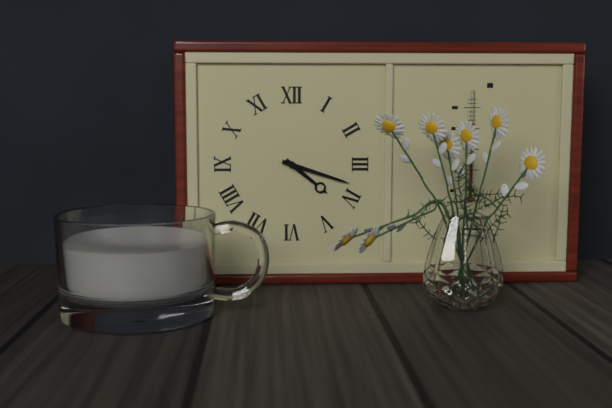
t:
4:18
